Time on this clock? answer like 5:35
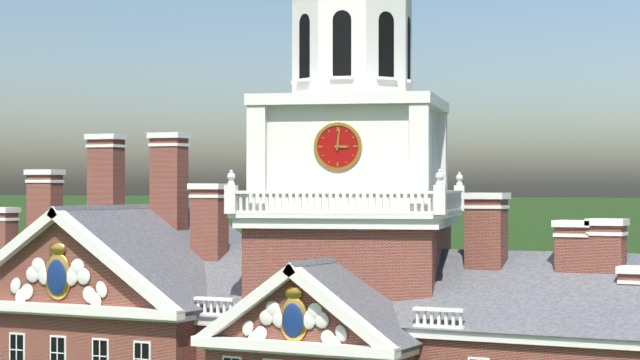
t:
3:01
